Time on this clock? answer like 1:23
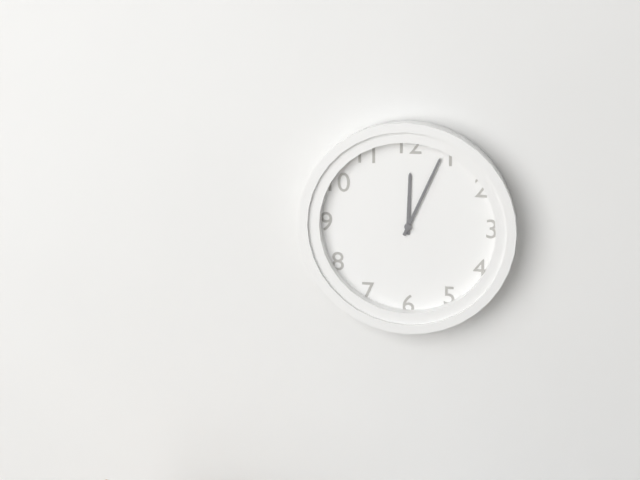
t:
12:04
